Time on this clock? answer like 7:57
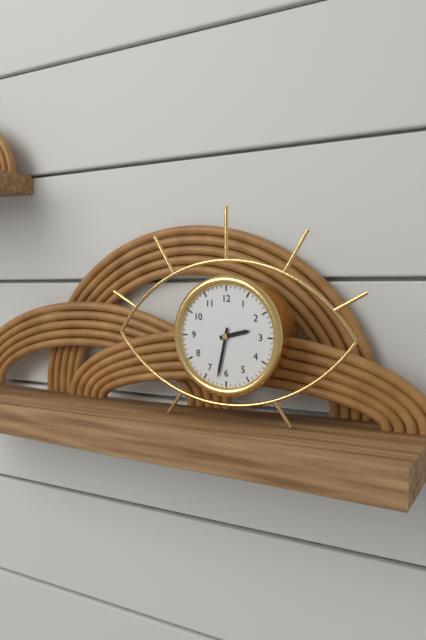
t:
2:32
